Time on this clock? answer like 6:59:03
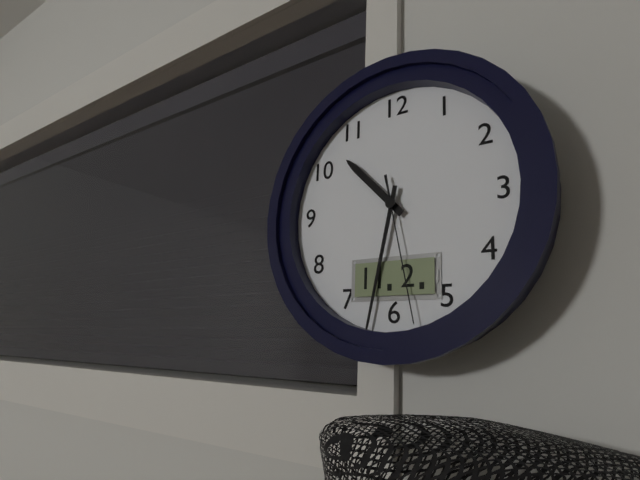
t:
10:32:28
